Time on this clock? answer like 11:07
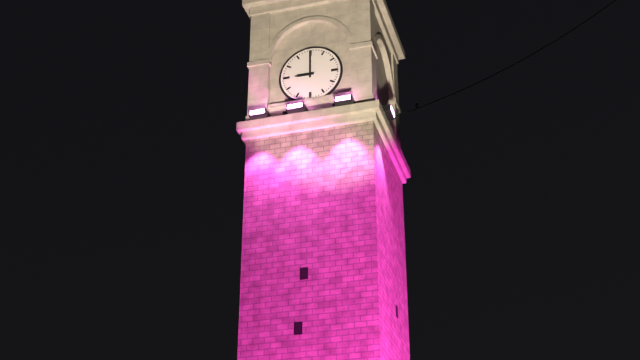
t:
9:00
